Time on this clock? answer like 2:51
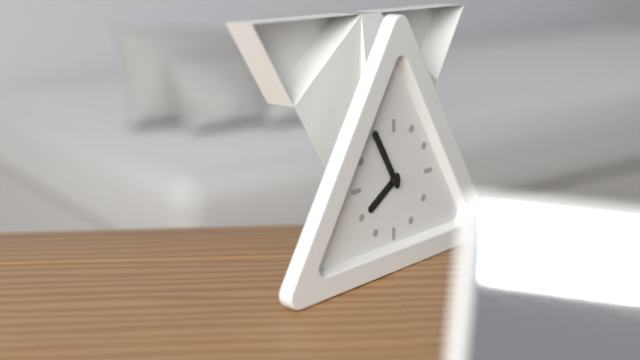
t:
7:55
